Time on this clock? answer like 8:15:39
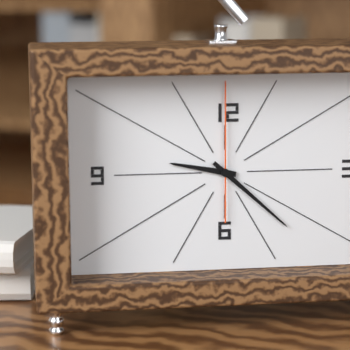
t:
9:22:00
